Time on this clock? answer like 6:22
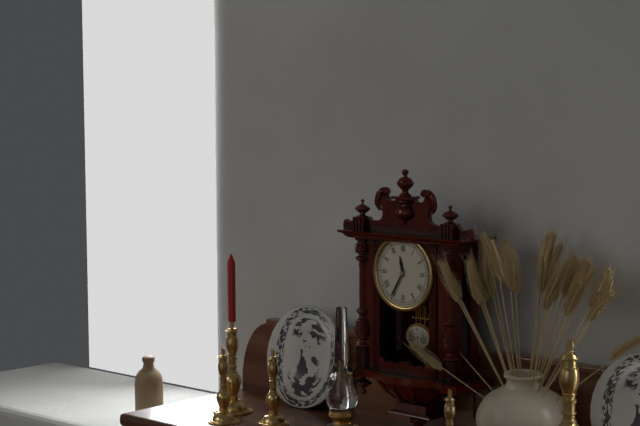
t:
11:35
